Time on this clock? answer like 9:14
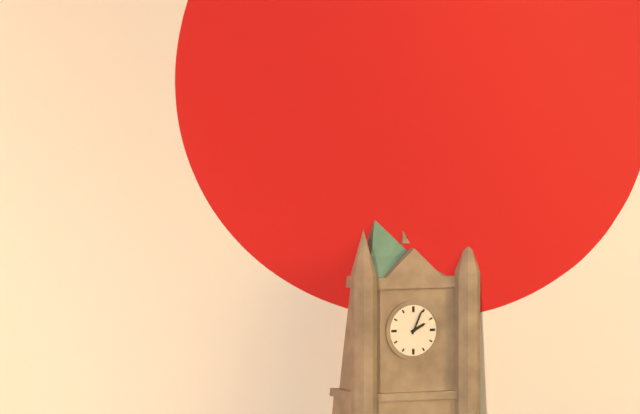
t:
2:04
